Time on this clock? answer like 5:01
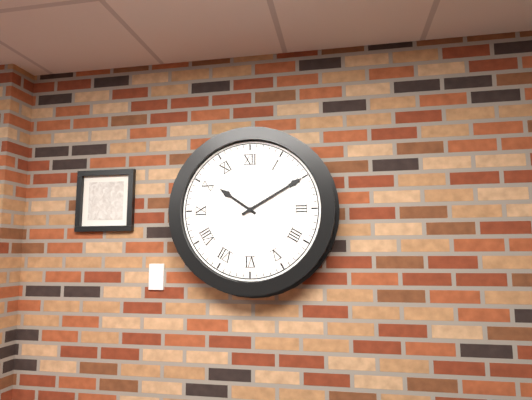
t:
10:10
